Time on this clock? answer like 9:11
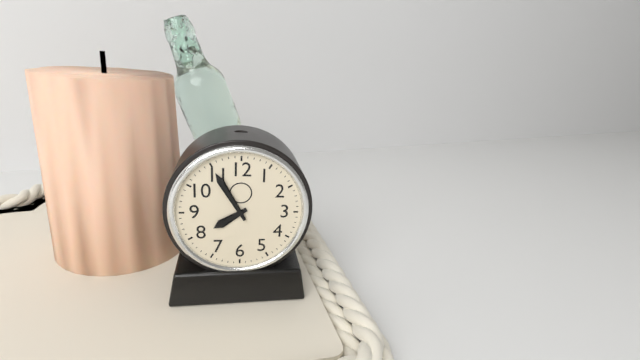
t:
7:55
